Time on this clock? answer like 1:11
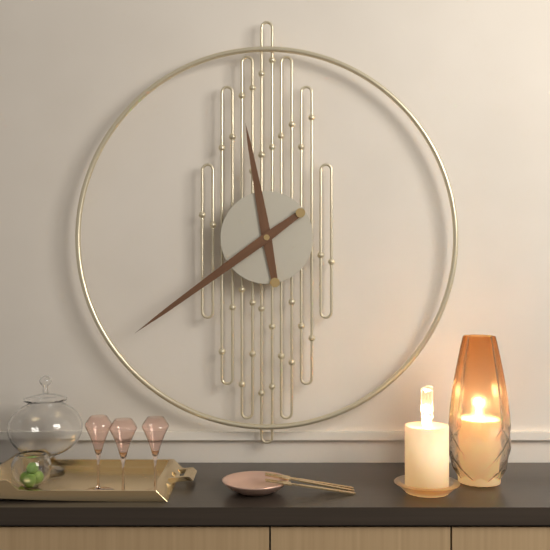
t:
11:39
